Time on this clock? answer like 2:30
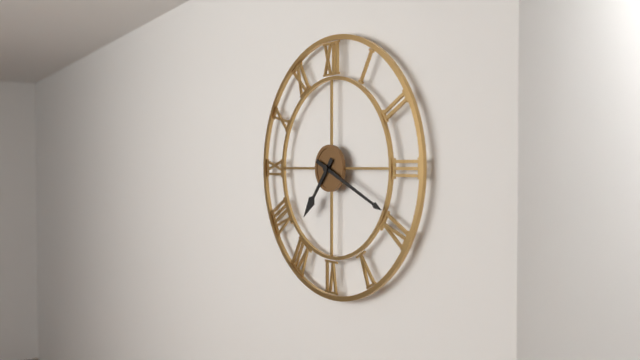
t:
7:19
